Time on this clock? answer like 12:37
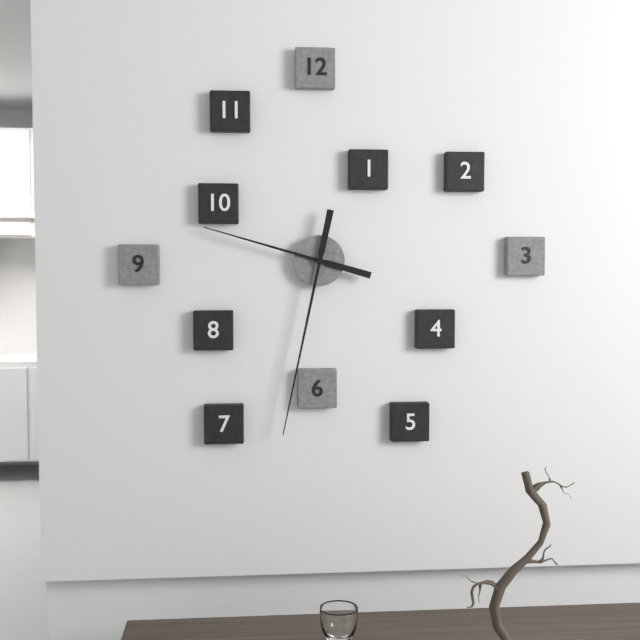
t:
9:32
